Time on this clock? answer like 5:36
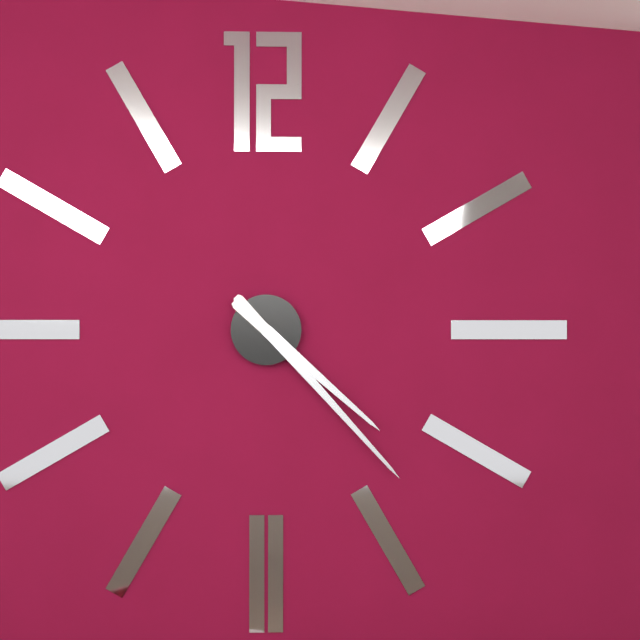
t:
4:23
